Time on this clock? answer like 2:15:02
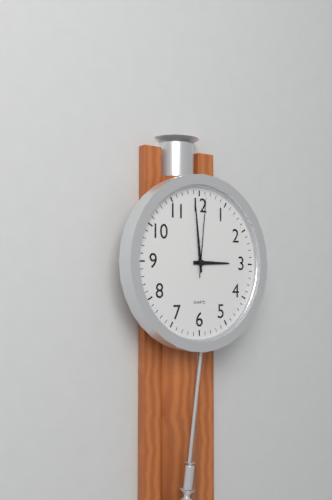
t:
2:59:01
